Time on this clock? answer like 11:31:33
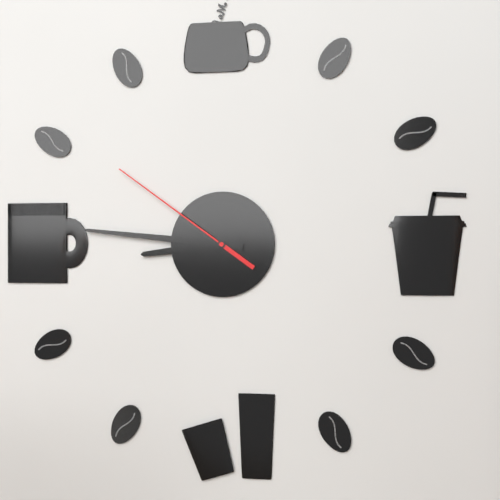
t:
8:46:51
